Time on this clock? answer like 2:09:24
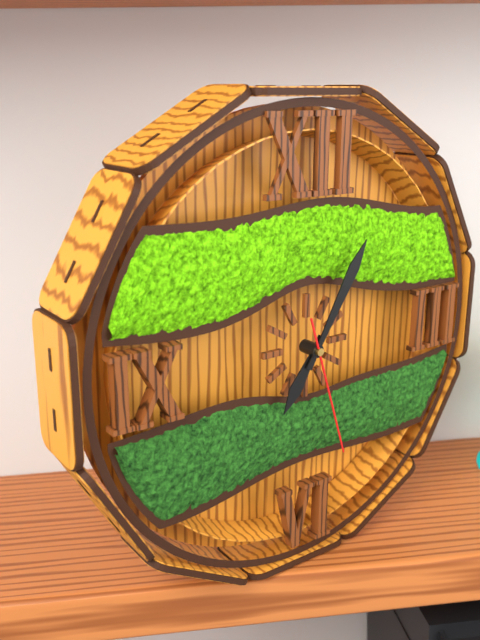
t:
7:05:27
